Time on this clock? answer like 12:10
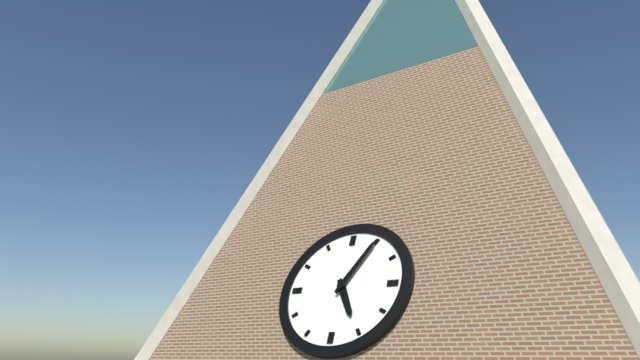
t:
5:05
